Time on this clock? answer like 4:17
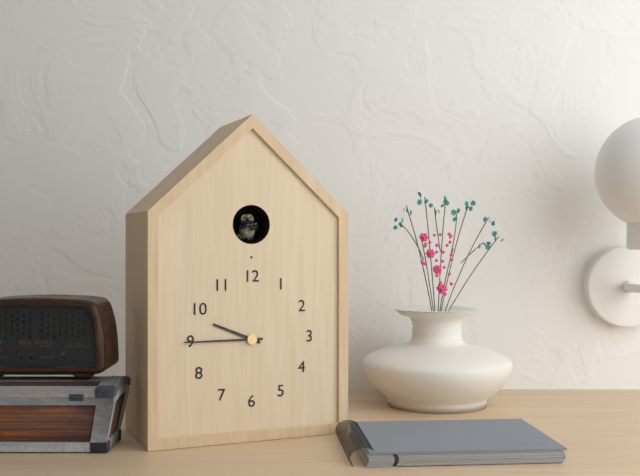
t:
9:45
